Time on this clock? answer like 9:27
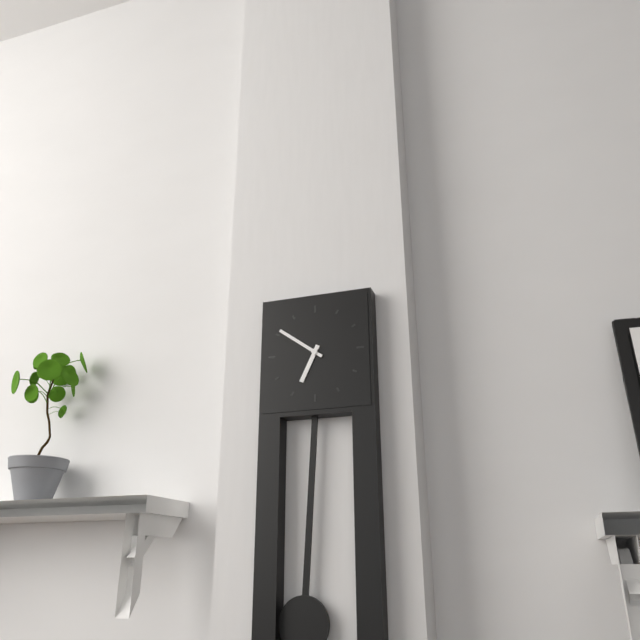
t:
6:51
